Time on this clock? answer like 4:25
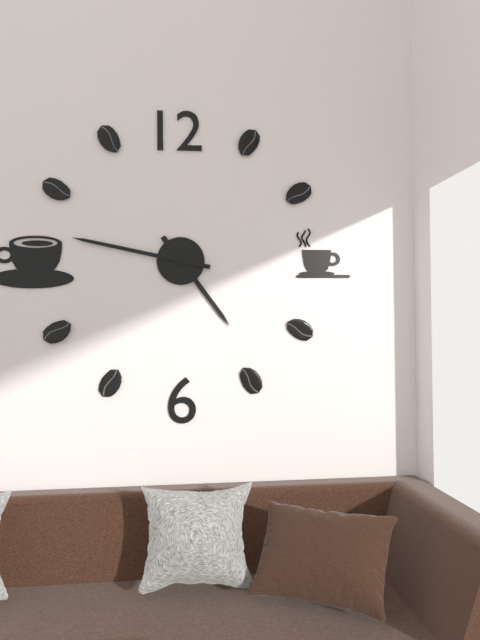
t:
4:47
